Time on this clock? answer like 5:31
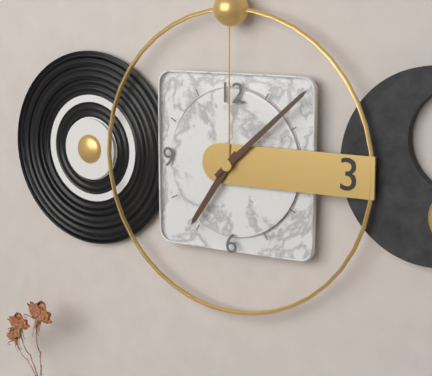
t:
7:08
